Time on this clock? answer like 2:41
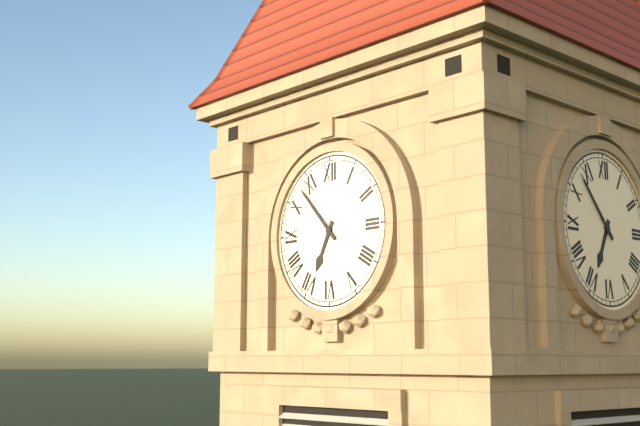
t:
6:53
